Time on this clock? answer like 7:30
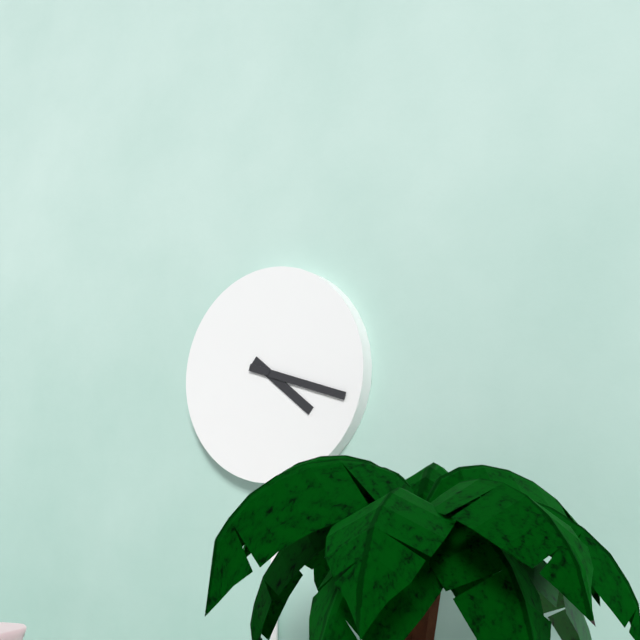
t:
4:18
